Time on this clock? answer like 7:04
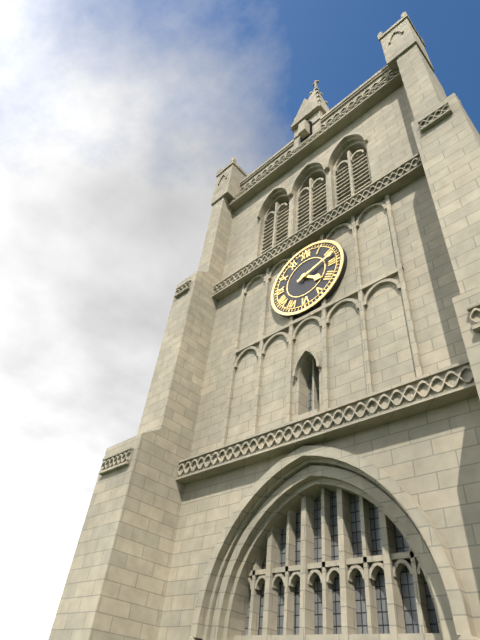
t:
4:12
